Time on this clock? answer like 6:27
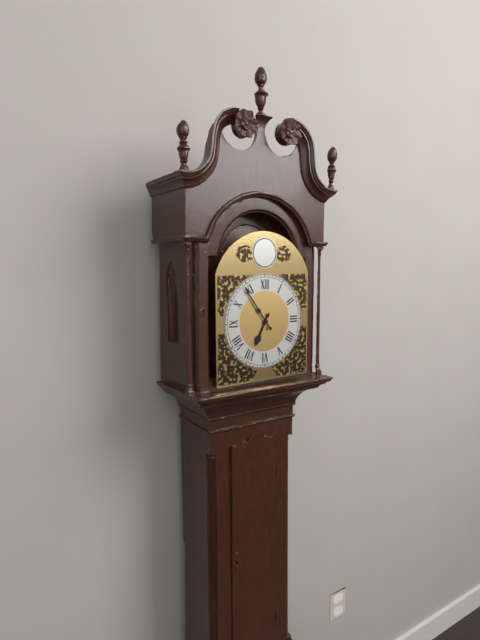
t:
6:54
